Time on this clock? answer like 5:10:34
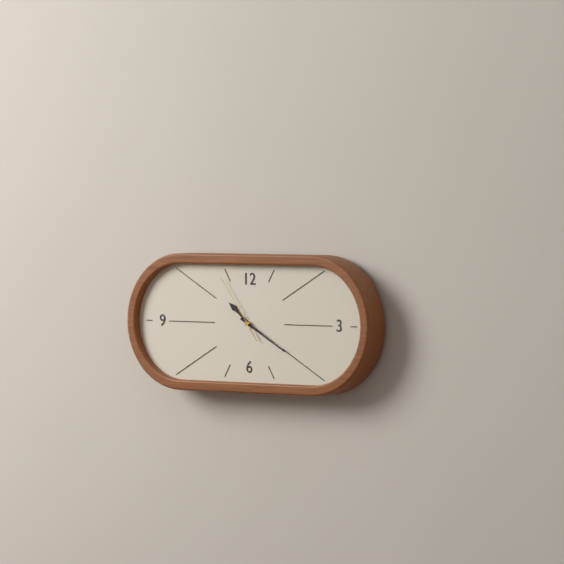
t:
10:20:54
